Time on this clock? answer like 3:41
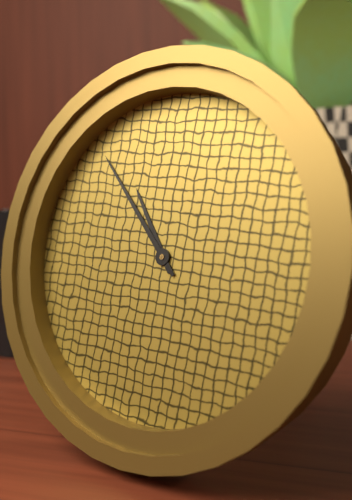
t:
10:53
